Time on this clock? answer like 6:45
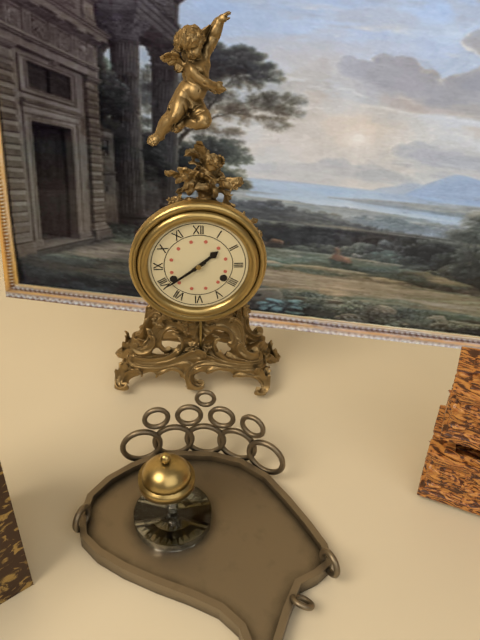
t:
1:39
